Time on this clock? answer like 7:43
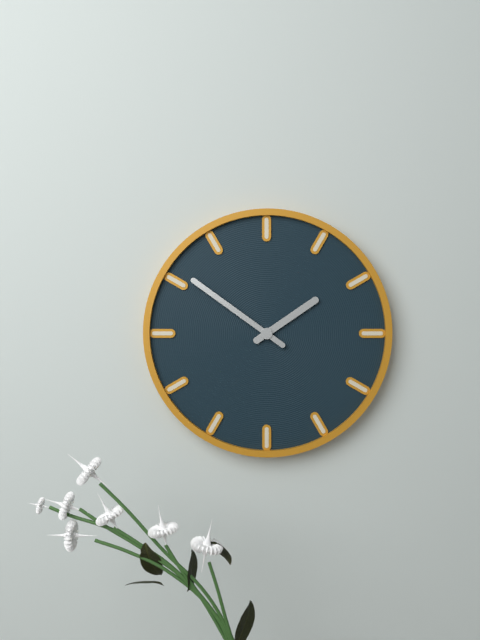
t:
1:51
